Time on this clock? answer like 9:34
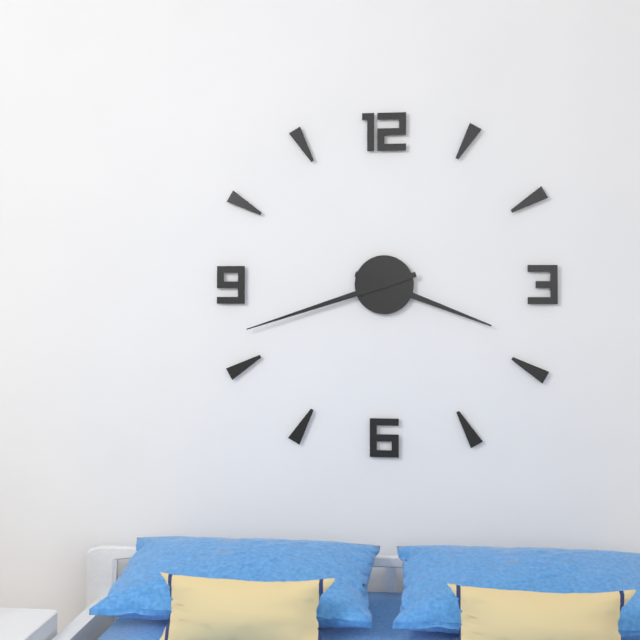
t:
3:42
